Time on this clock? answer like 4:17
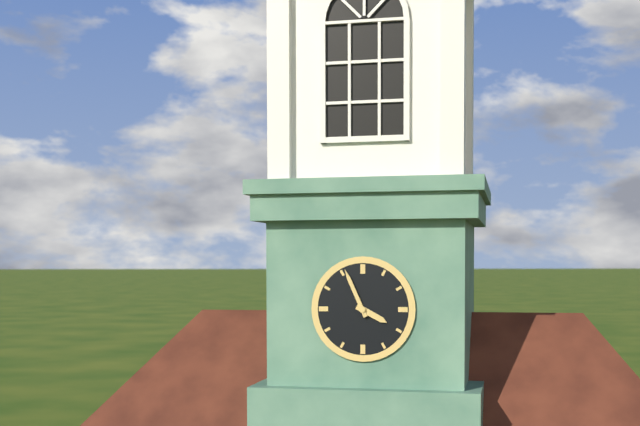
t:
3:56
